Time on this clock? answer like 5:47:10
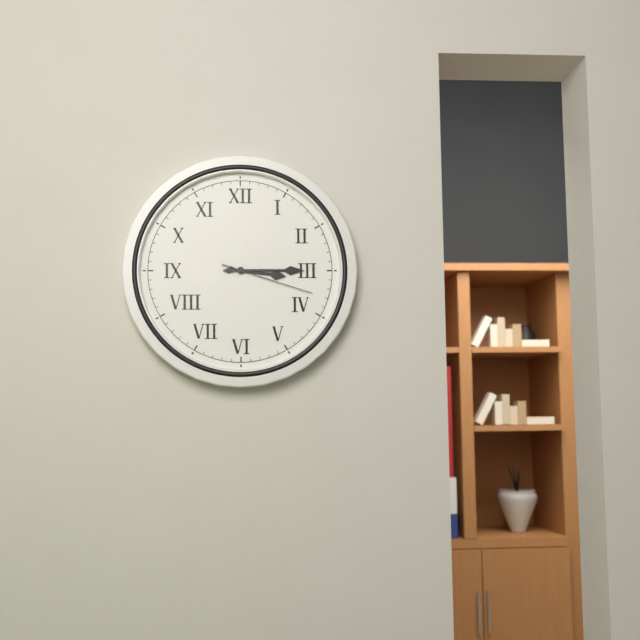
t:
3:15:18
